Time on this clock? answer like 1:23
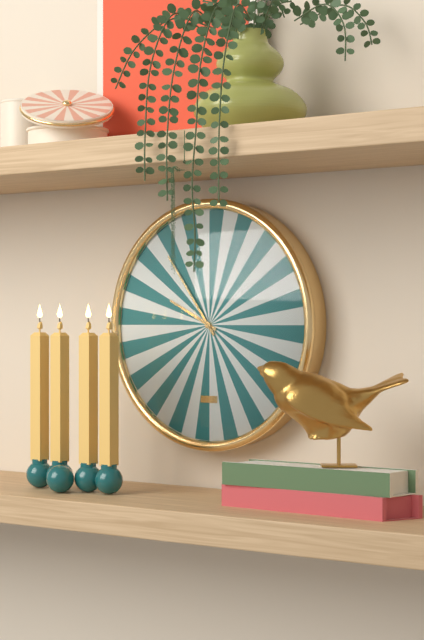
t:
9:54
